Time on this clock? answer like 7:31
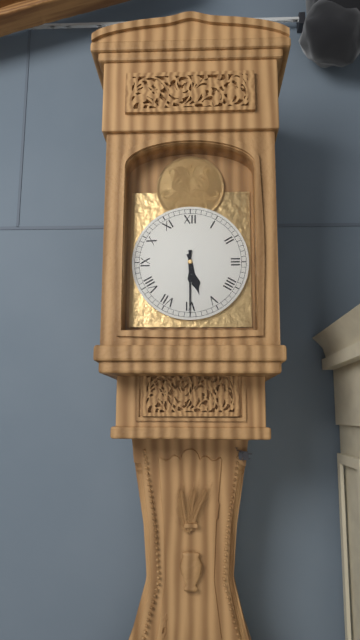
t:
5:30
